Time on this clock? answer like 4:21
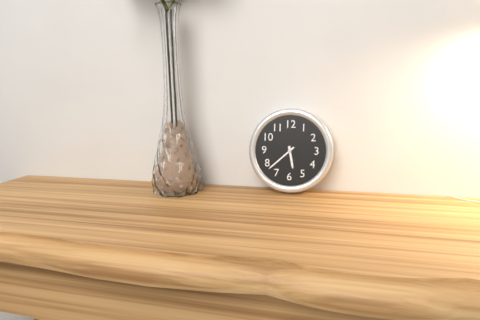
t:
5:38
